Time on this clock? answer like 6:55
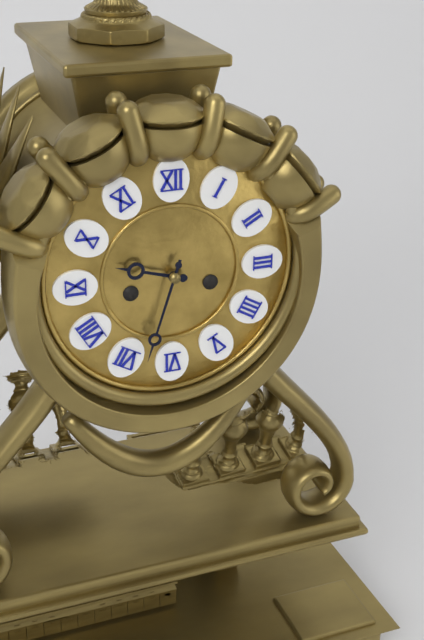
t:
9:33
